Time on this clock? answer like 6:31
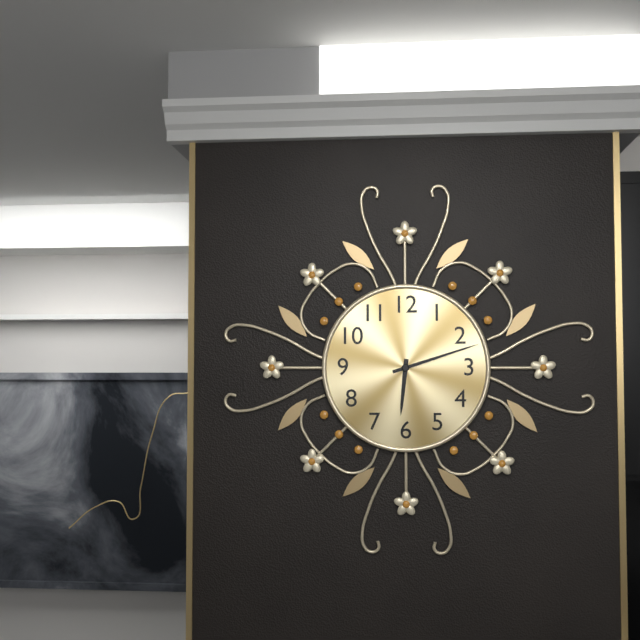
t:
6:12
